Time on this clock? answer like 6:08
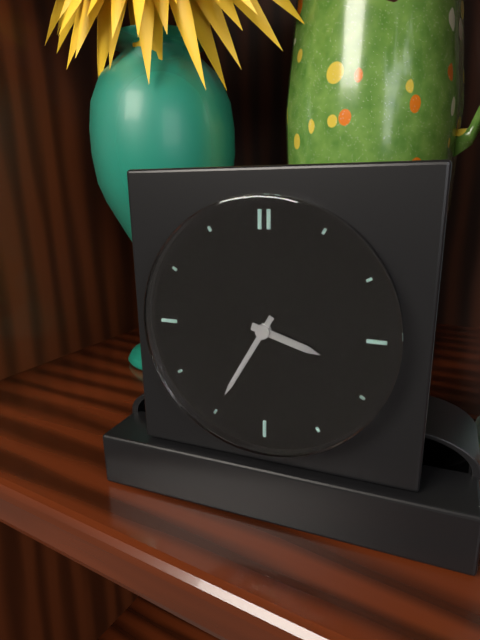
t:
3:35
